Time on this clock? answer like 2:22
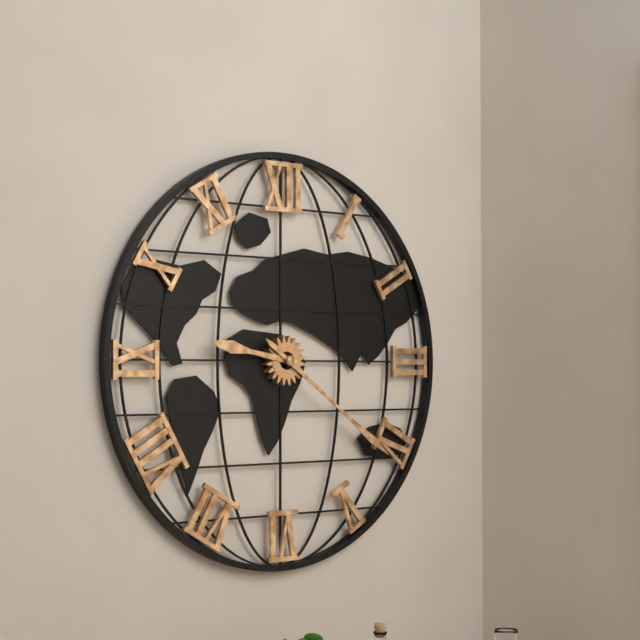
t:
9:21
